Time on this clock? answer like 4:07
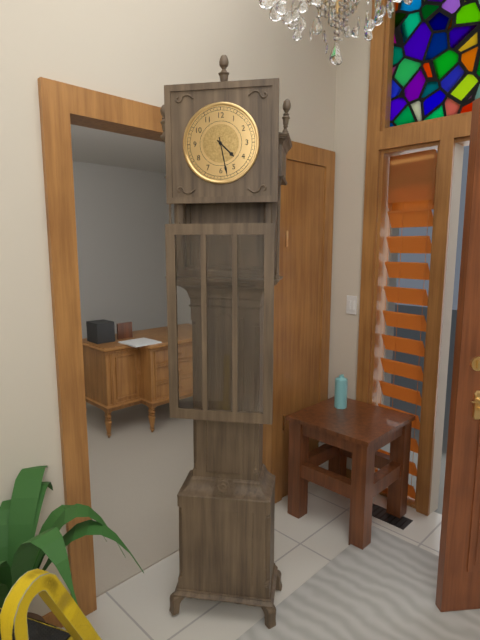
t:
4:28
